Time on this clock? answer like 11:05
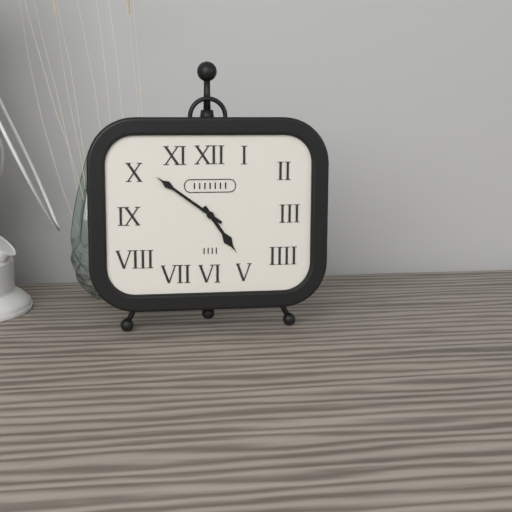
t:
4:51
